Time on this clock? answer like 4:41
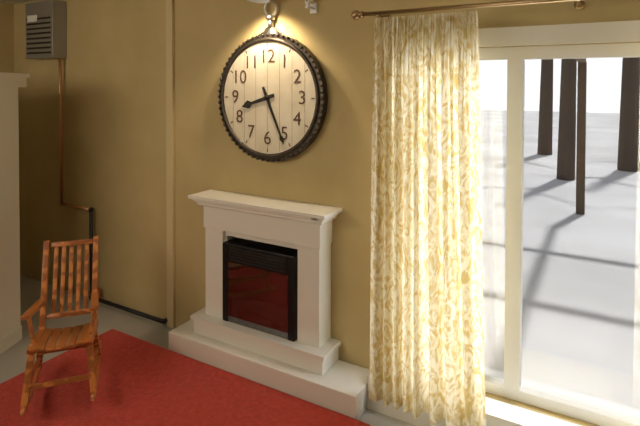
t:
8:26
